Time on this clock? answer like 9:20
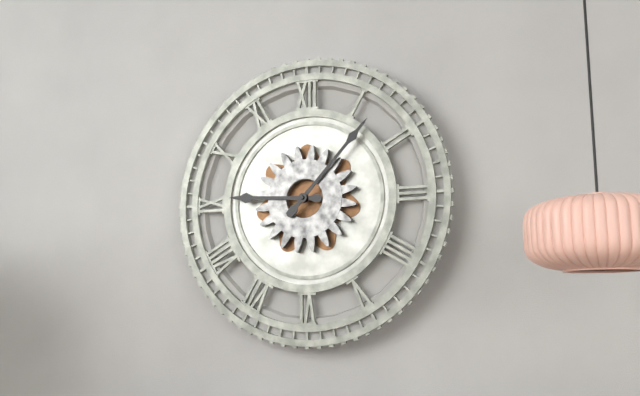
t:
9:07
